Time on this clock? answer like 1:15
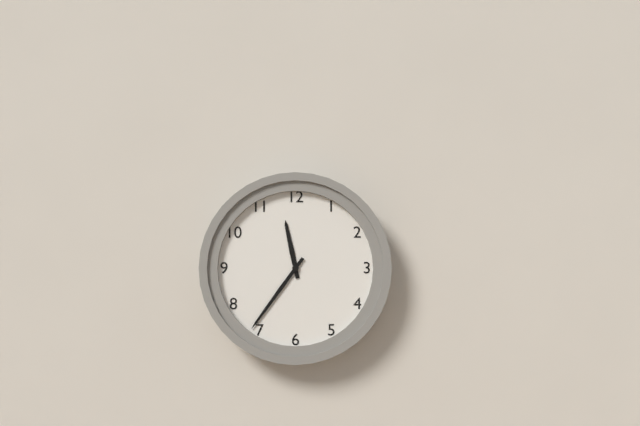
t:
11:36
